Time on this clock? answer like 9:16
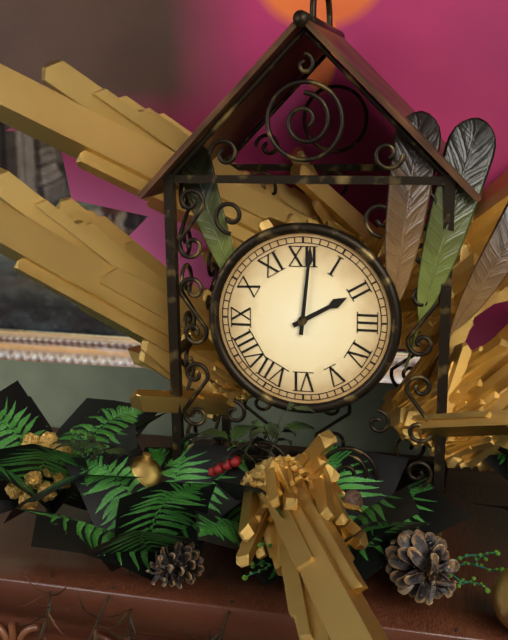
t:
2:01
